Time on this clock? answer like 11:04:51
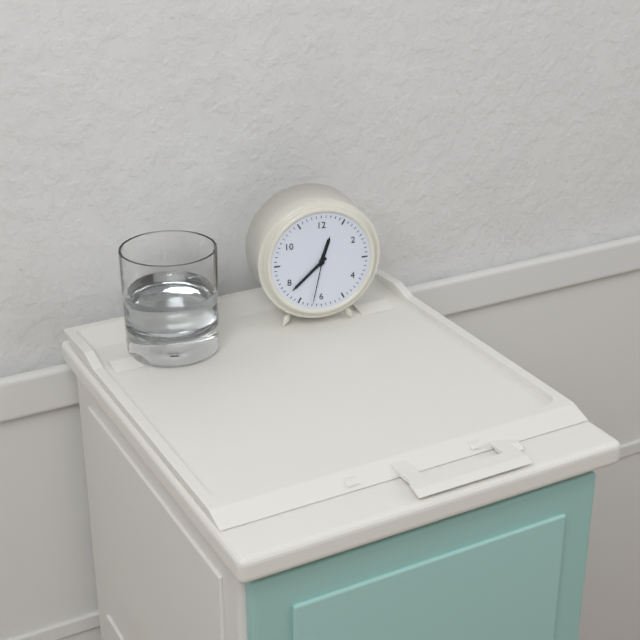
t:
12:38:32
